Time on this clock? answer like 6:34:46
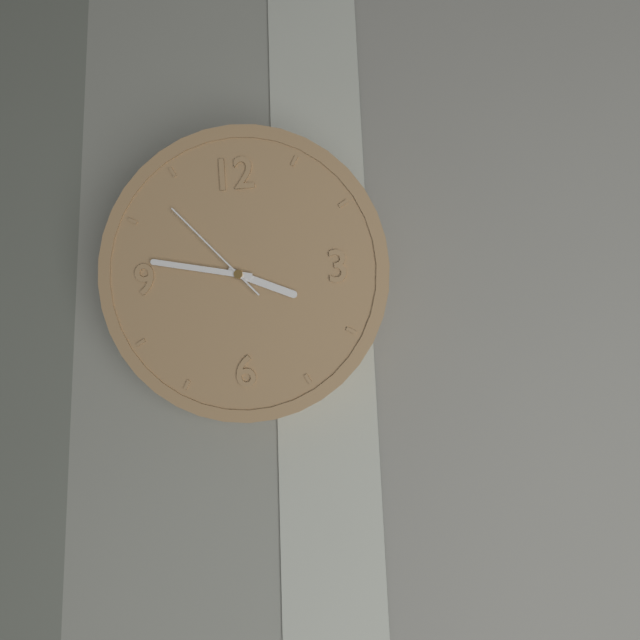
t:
3:47:53
